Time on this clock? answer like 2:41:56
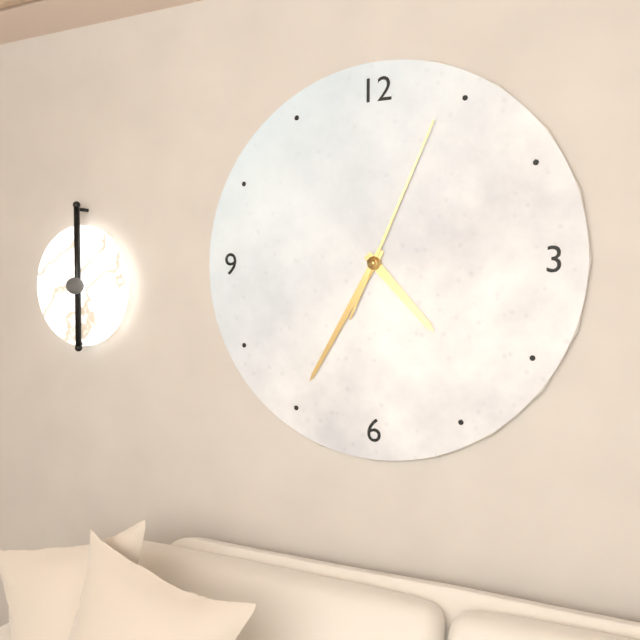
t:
4:35:04
